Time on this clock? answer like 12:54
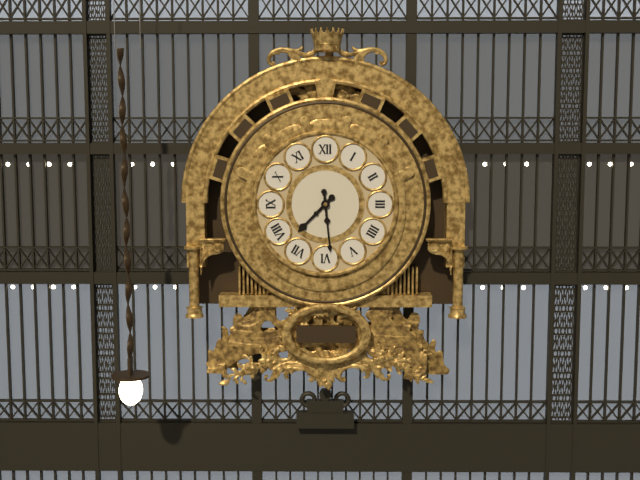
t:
7:29
